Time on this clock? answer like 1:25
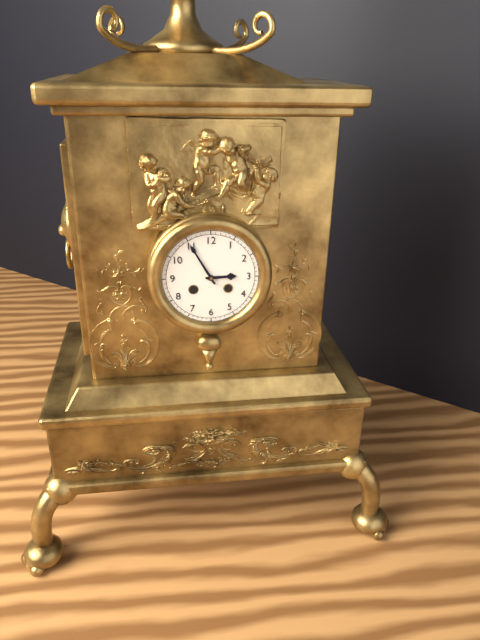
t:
2:55
